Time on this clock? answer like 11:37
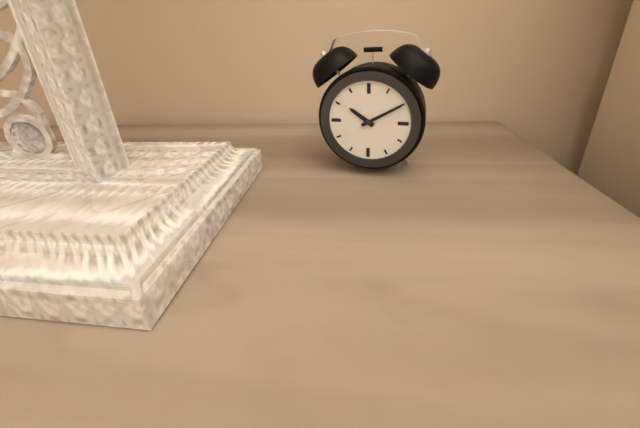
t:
10:10
